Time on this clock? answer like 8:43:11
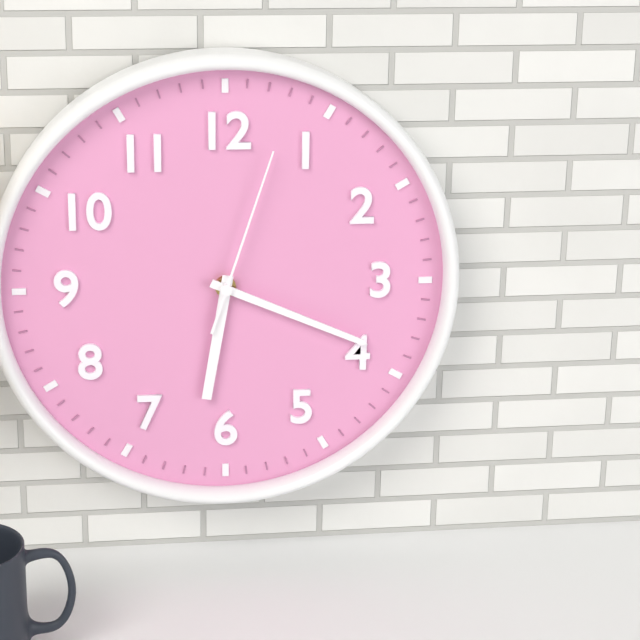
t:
6:19:03
